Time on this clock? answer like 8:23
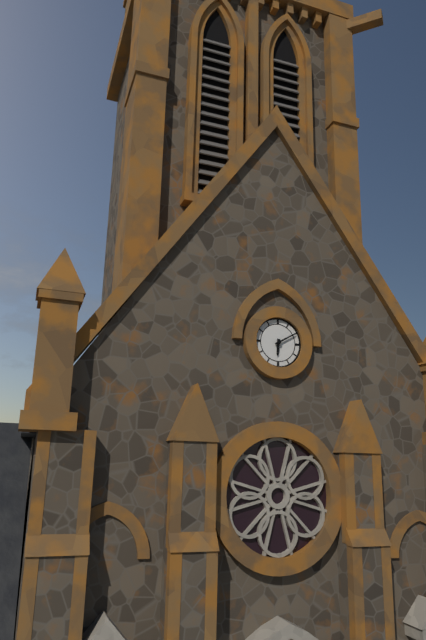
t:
6:10
